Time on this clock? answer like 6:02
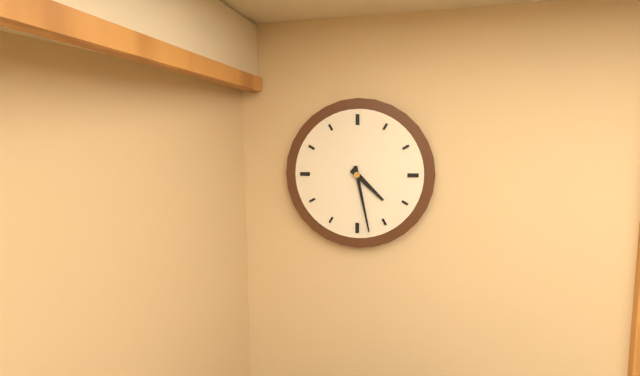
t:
4:28
